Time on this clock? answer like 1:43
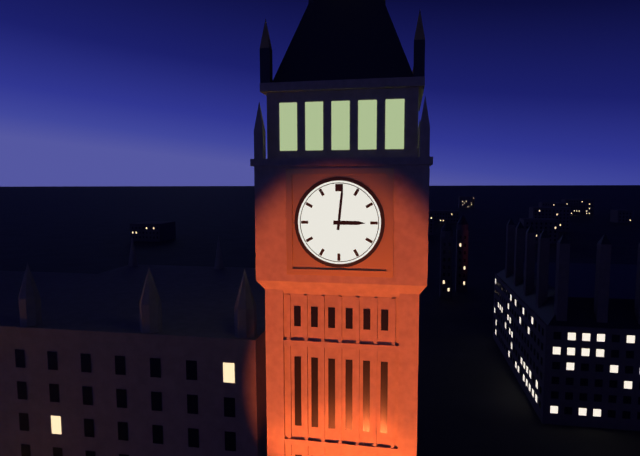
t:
3:01
